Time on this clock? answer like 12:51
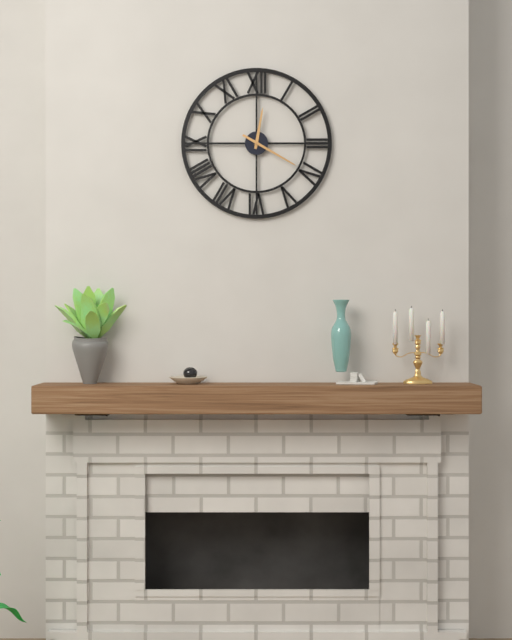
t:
12:20
